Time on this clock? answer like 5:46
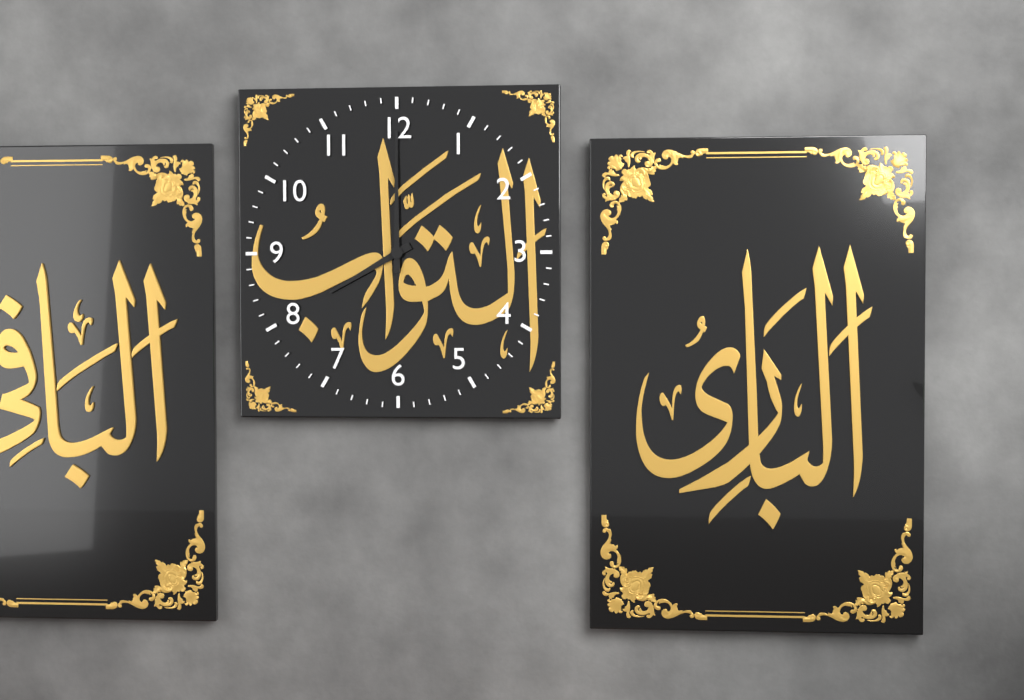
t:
8:00
